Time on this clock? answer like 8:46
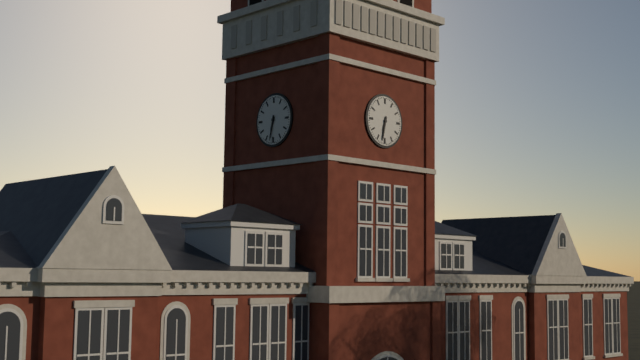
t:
6:32
